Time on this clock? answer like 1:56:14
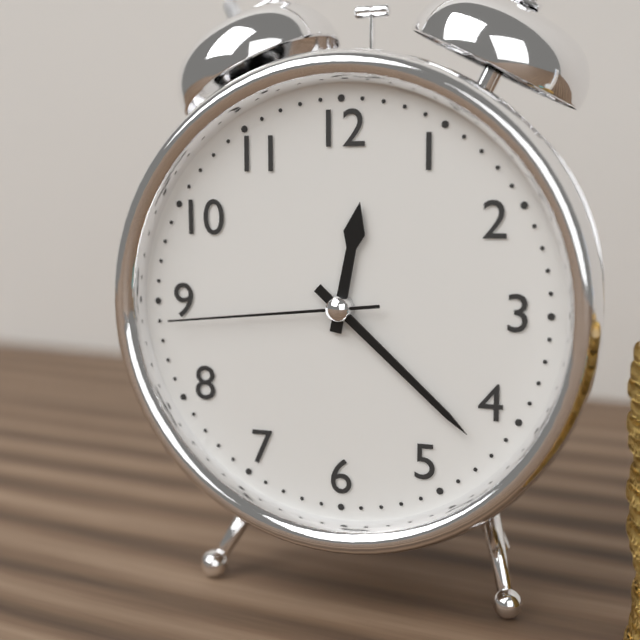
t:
12:22:44
